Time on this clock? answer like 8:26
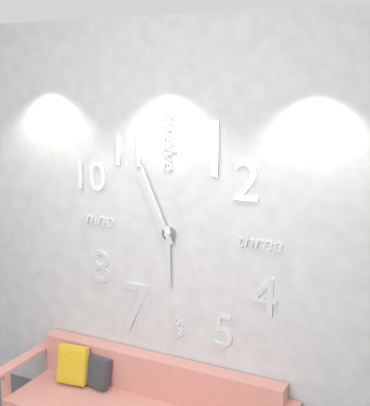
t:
5:56
